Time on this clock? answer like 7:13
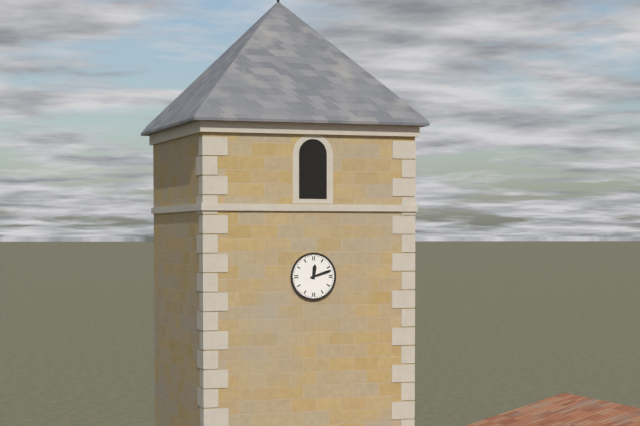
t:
12:12
